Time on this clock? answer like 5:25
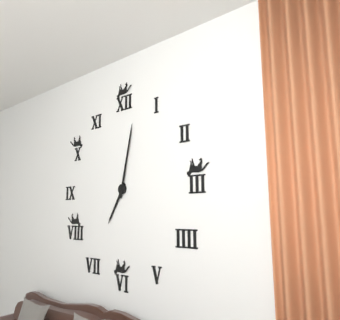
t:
7:02
